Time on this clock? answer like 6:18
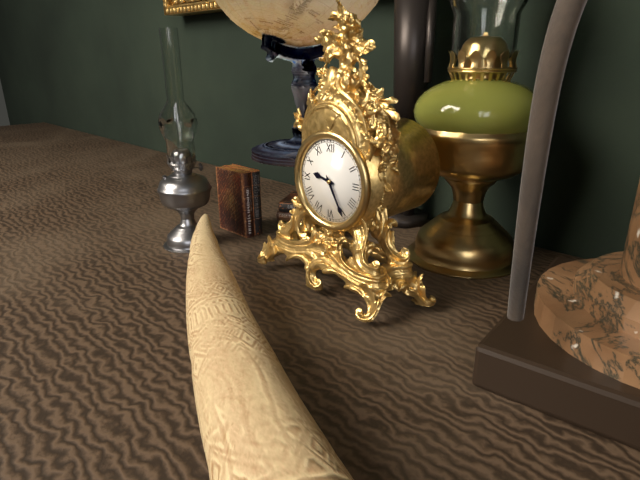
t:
9:25
